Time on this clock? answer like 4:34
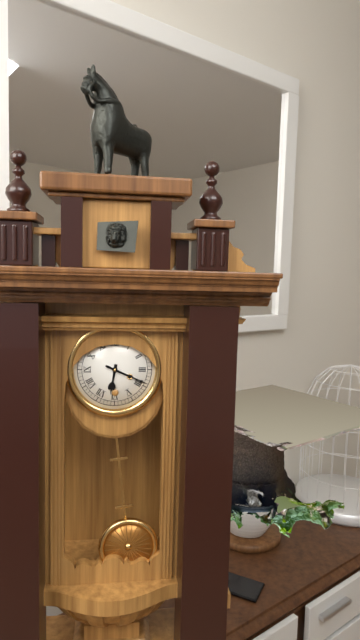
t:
6:19
